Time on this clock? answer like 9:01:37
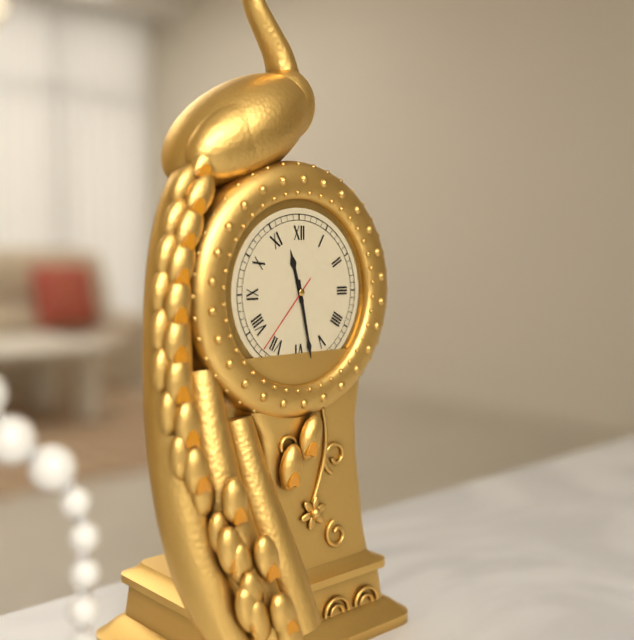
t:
11:28:37
